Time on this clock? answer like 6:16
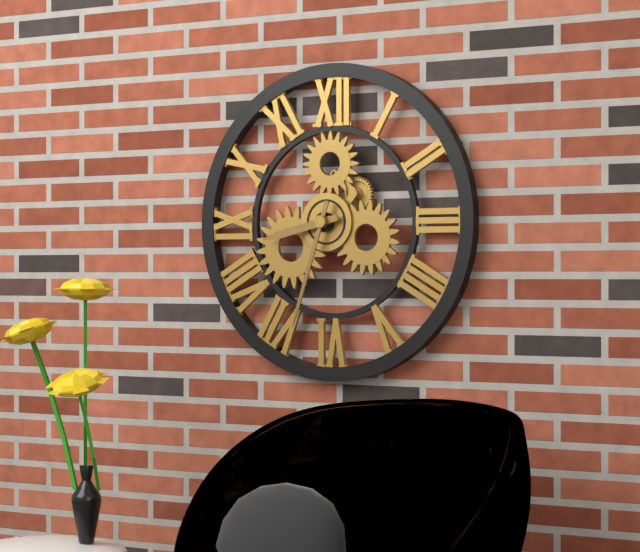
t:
8:33
